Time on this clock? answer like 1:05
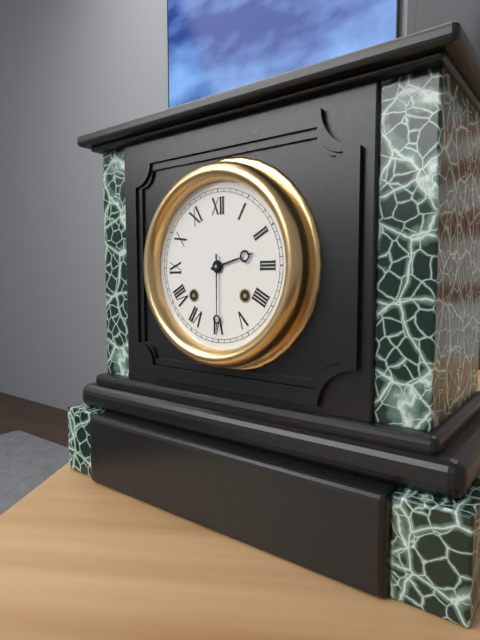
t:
2:30
